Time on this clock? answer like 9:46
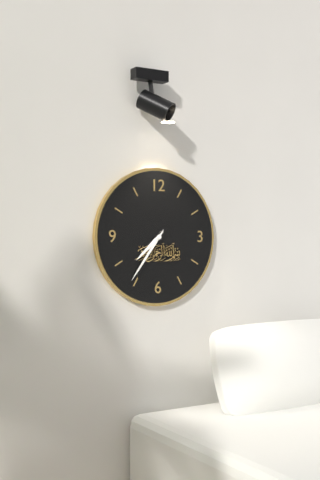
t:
7:36
